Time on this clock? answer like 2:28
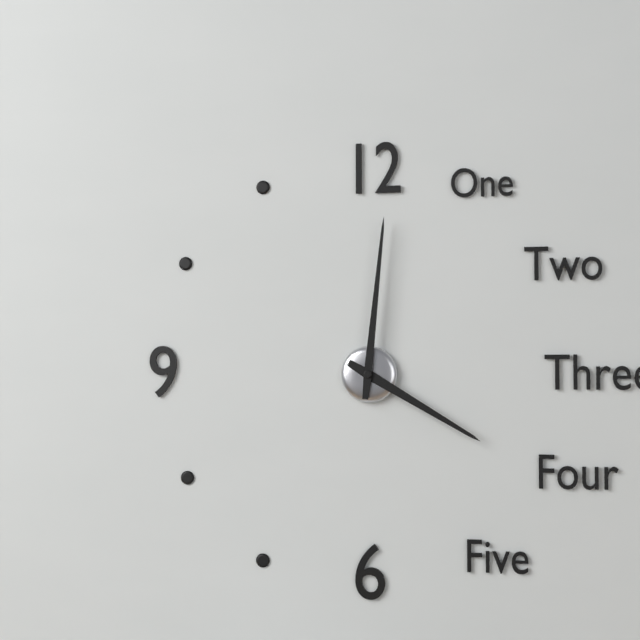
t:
4:01
